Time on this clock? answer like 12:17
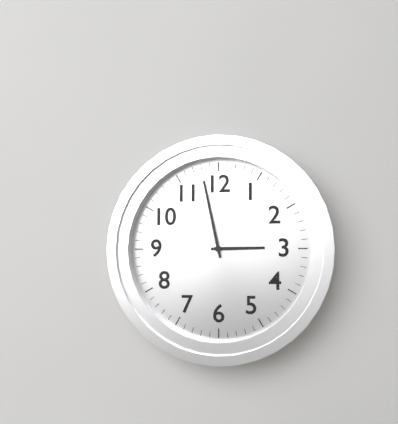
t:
2:58
